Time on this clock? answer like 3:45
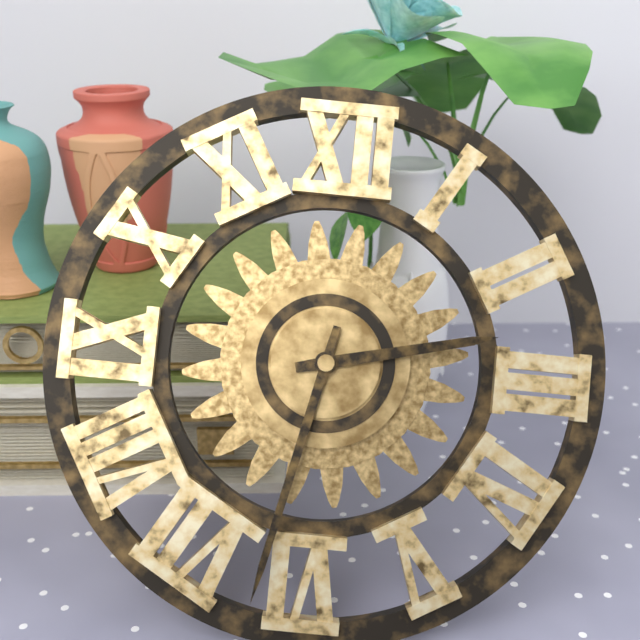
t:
2:32
